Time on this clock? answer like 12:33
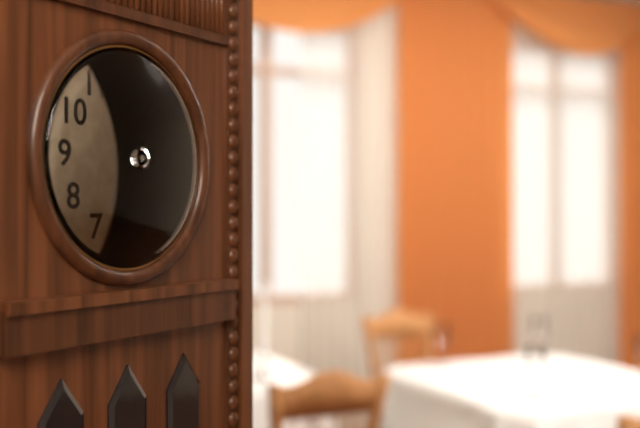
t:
5:05
